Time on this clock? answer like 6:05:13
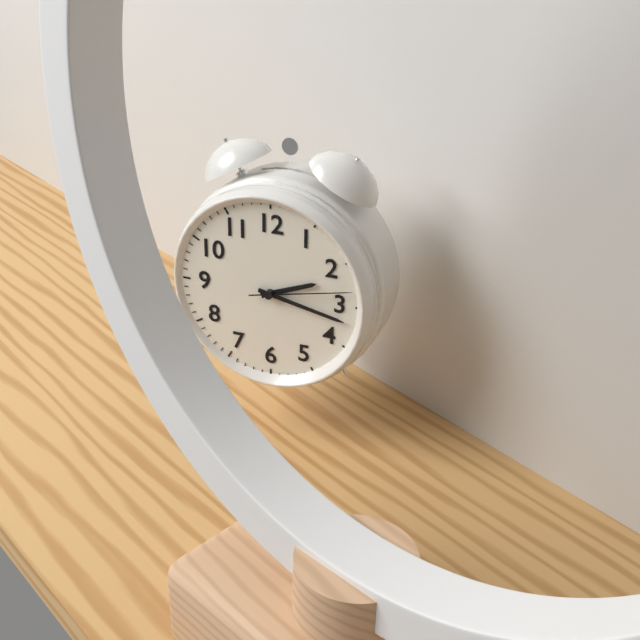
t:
2:17:13
